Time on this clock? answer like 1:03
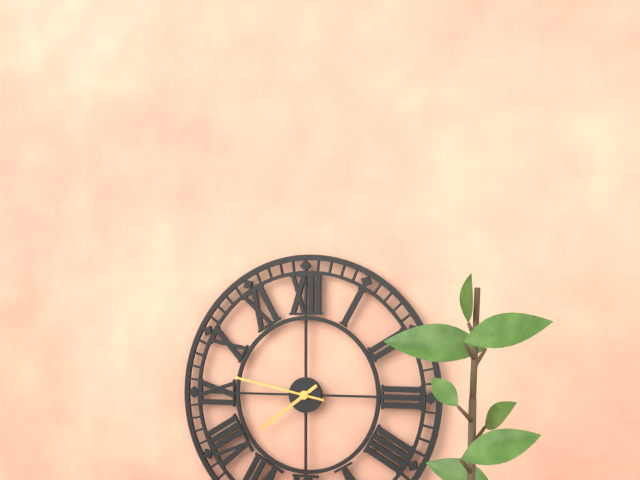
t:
7:47
